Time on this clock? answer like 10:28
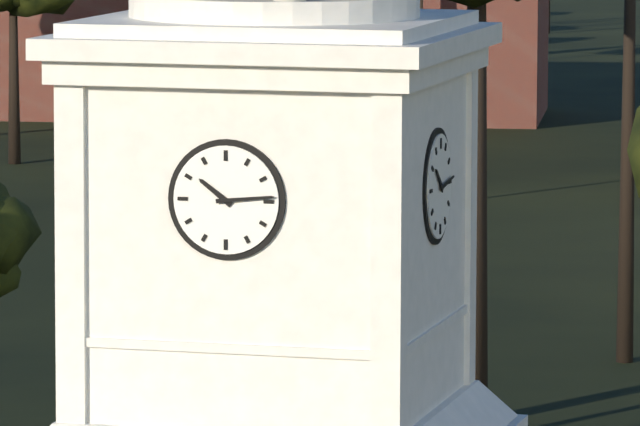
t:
10:14
